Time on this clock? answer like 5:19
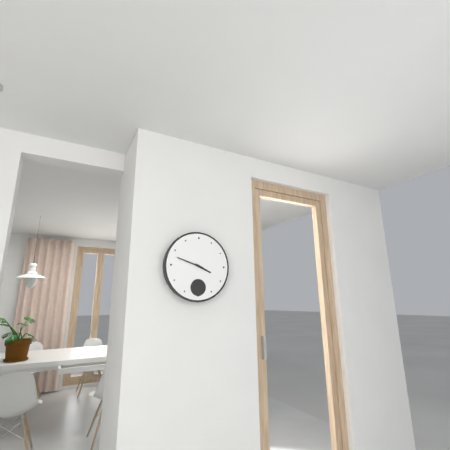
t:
3:48
